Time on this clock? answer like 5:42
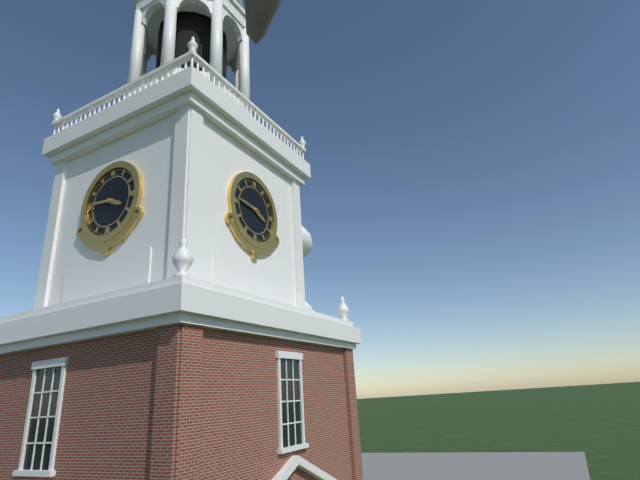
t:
3:46
